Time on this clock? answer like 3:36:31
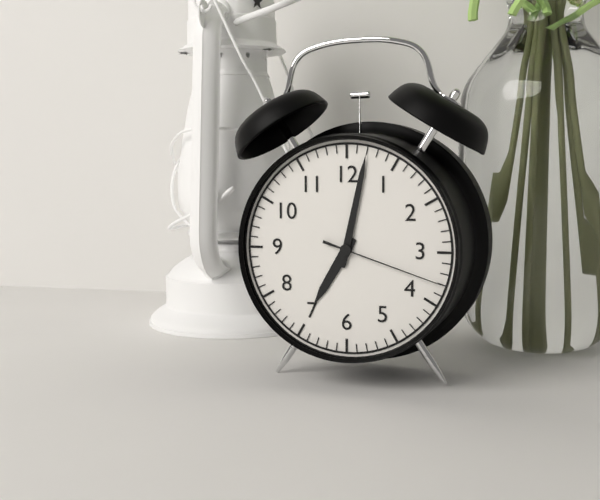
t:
7:02:18
